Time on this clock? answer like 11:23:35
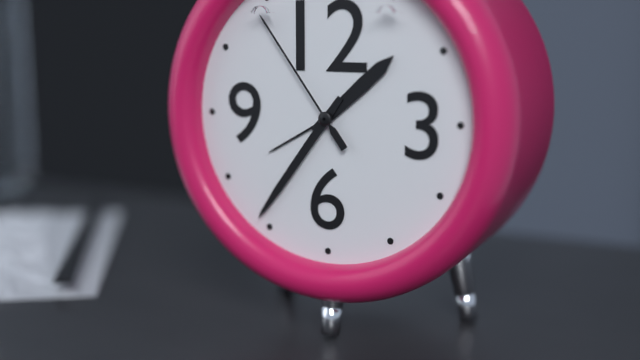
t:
1:36:54
